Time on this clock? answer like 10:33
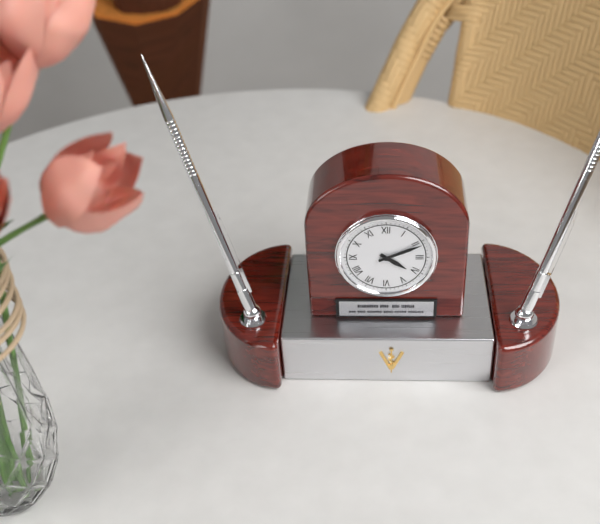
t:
4:11
